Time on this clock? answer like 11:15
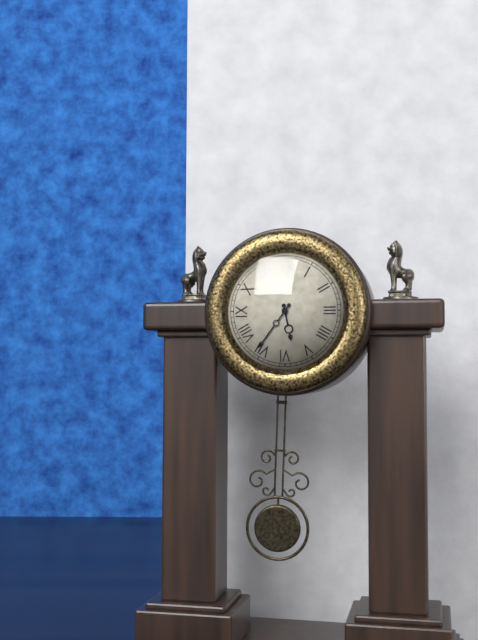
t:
5:36
